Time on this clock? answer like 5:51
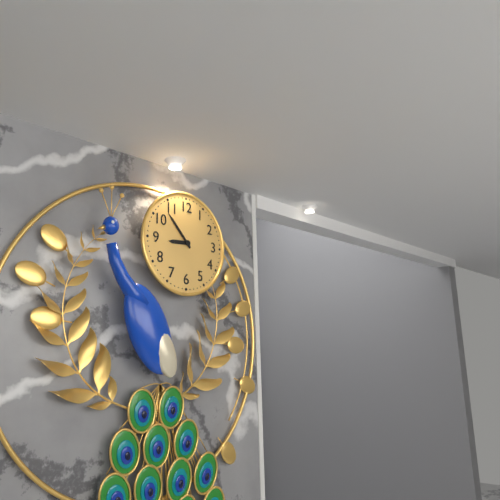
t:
8:53
